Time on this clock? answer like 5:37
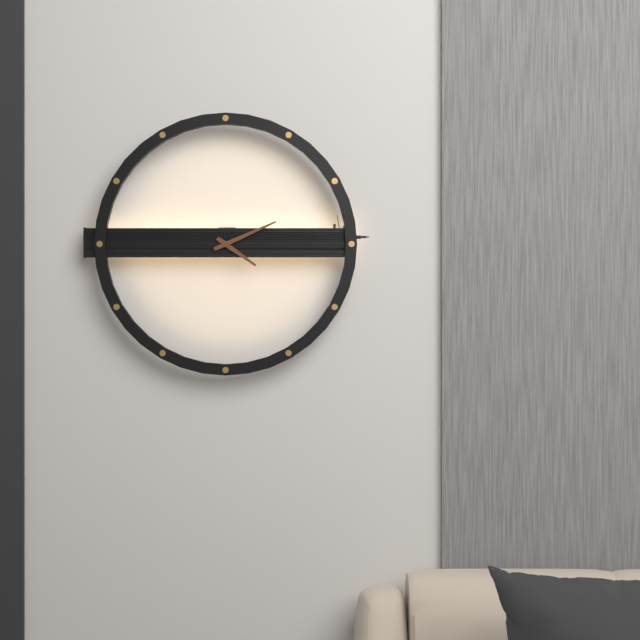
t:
4:11
